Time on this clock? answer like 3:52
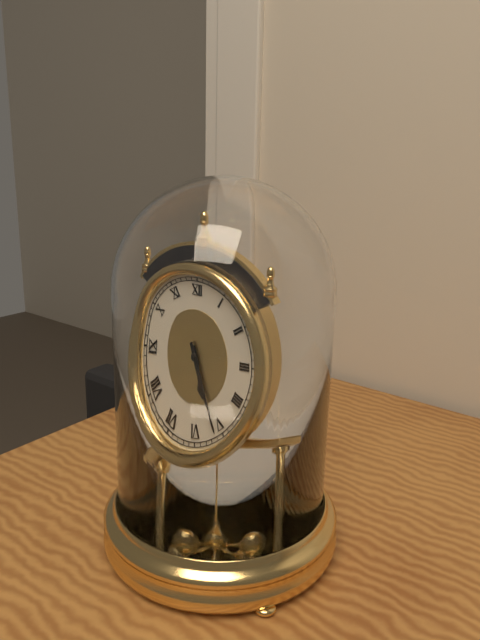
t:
5:26
